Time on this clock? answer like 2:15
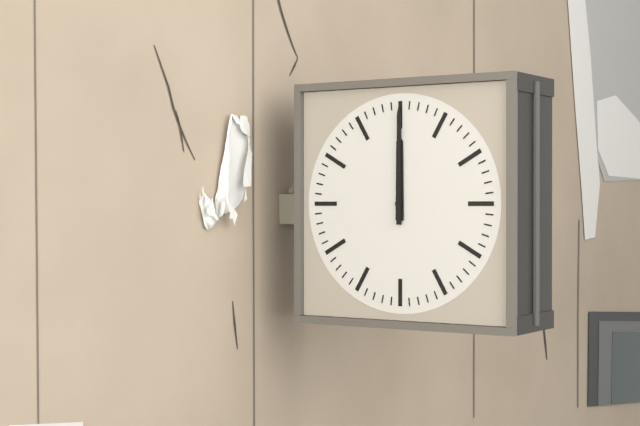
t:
12:00
